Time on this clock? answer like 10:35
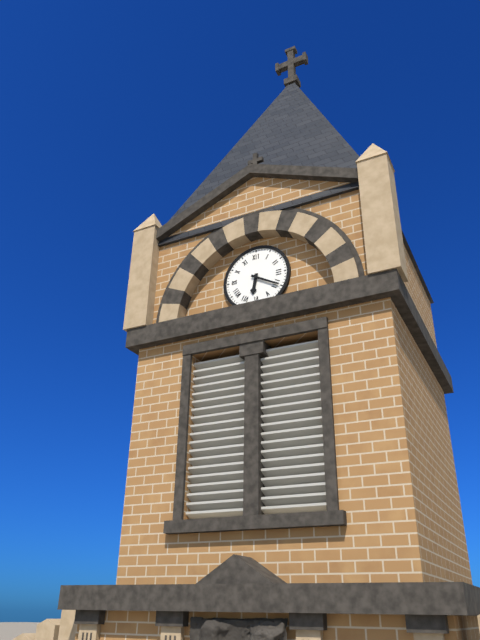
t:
6:20
